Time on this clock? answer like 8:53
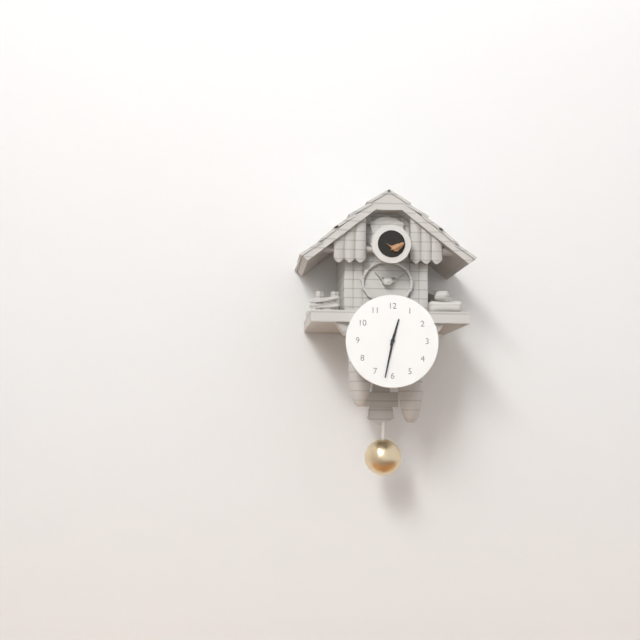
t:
12:32
